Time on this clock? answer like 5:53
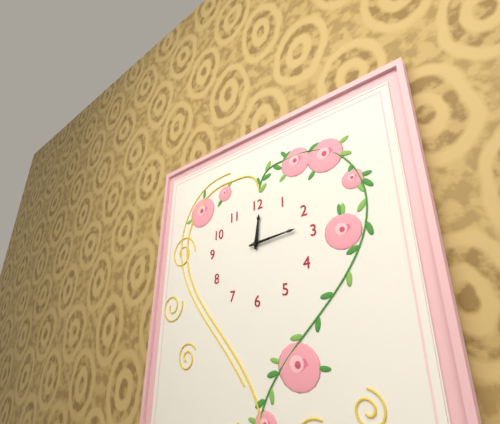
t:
12:14
